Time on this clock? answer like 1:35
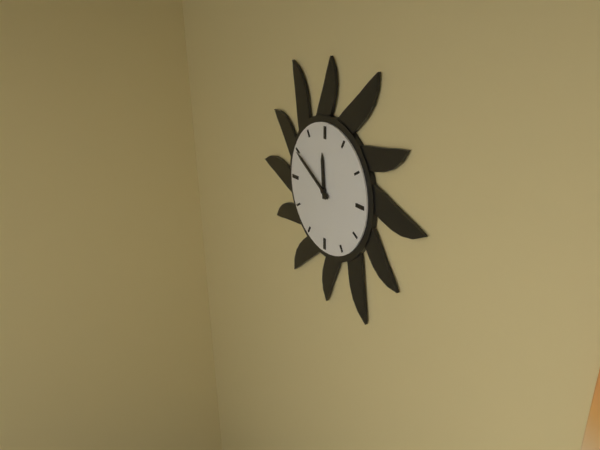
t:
11:50
